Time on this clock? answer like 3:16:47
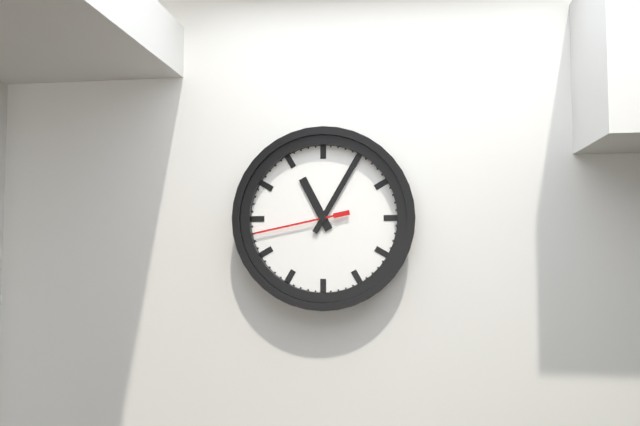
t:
11:05:43
